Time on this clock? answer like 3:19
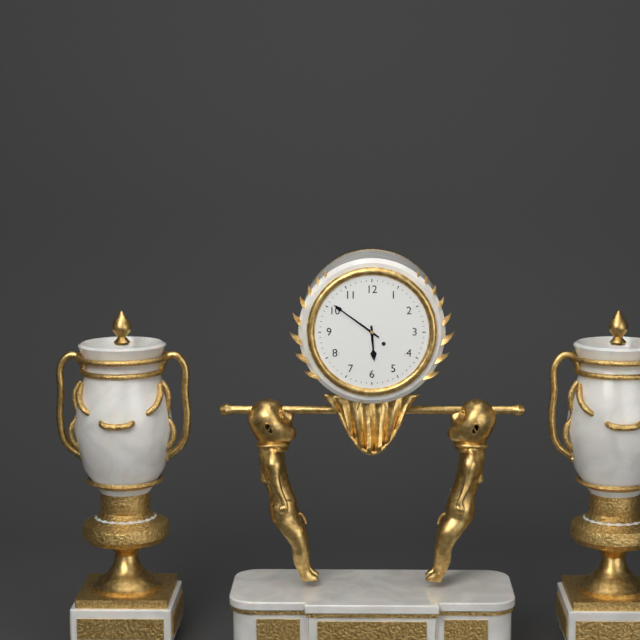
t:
5:51
